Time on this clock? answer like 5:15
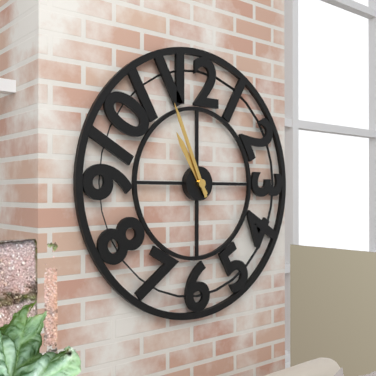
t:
10:56
